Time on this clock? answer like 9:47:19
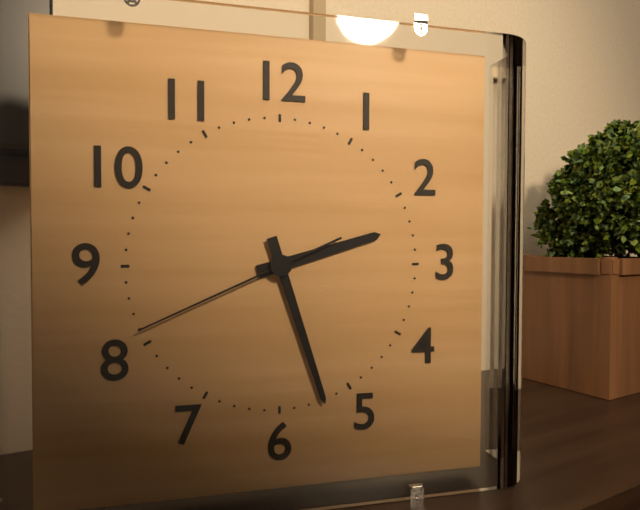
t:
2:27:41
